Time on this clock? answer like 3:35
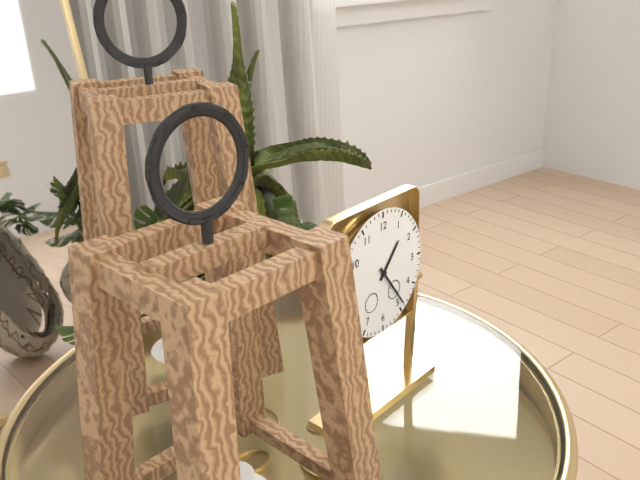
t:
1:24
